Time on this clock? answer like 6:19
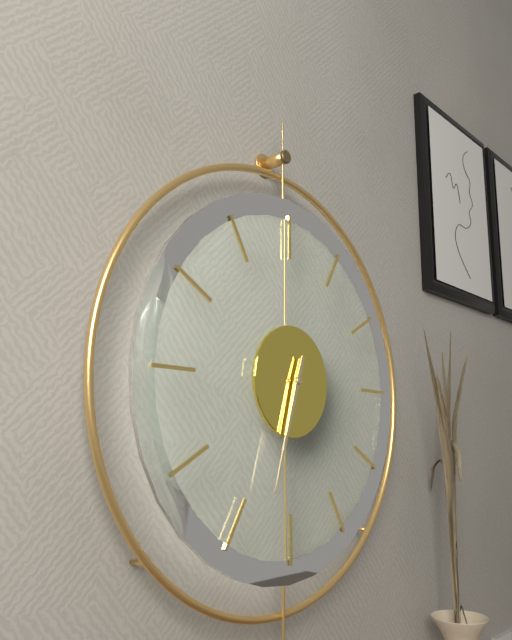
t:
6:33
